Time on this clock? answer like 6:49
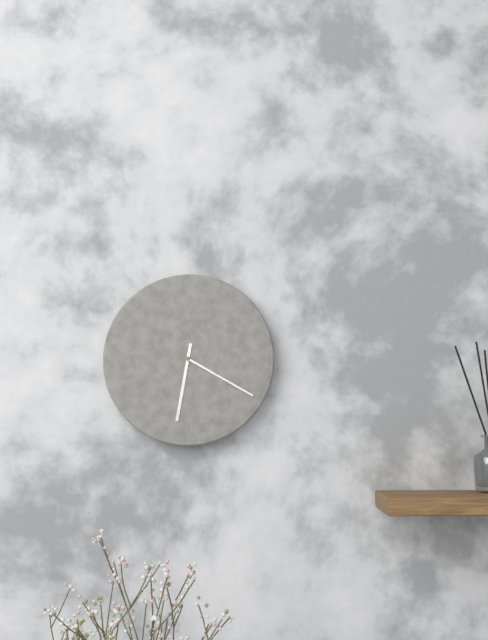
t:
6:20
